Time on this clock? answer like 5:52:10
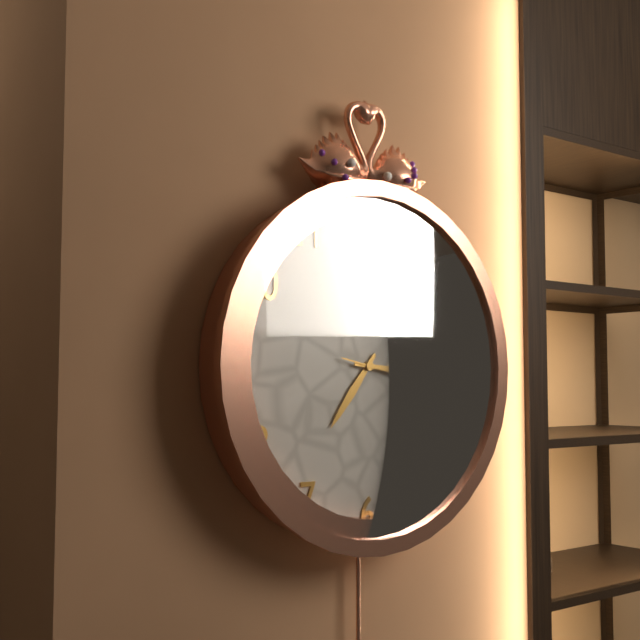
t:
7:16:17
